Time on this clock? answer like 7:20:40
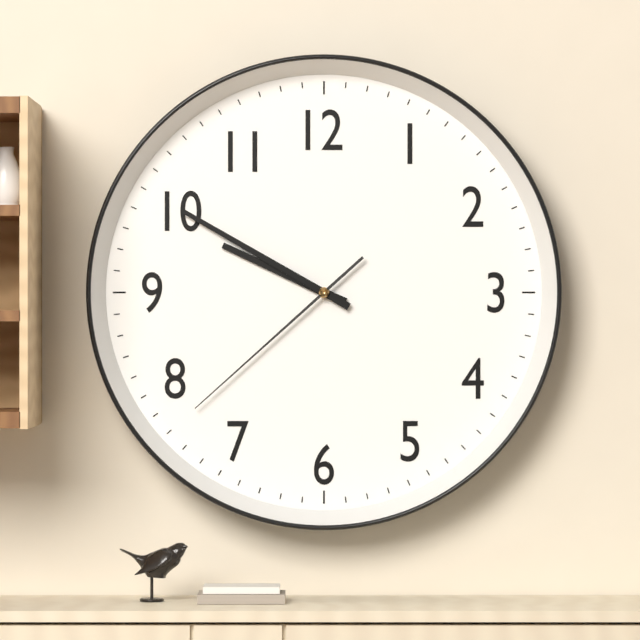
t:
9:50:38
